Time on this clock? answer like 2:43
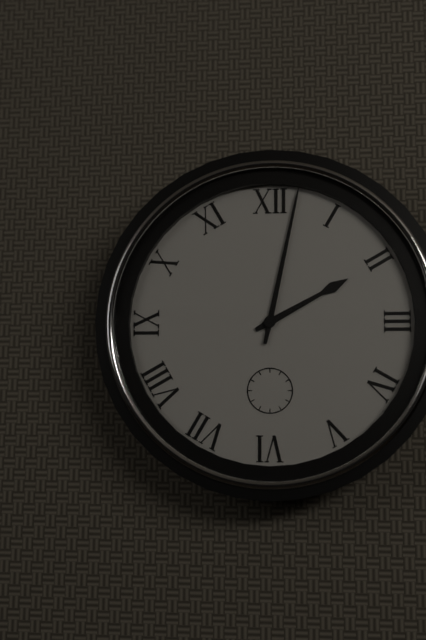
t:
2:02
